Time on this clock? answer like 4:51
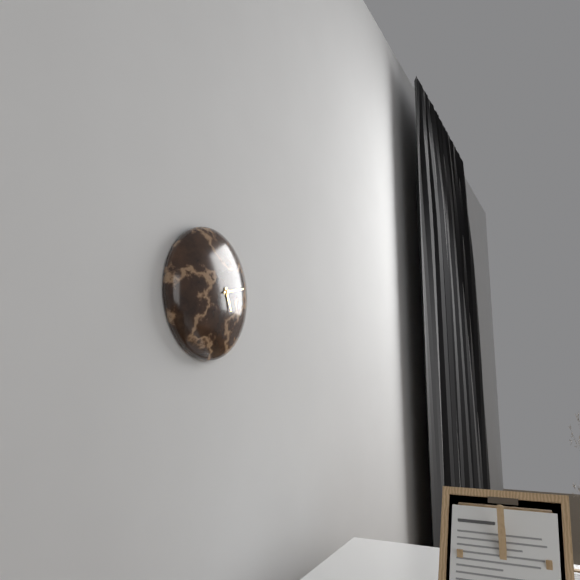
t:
5:13
